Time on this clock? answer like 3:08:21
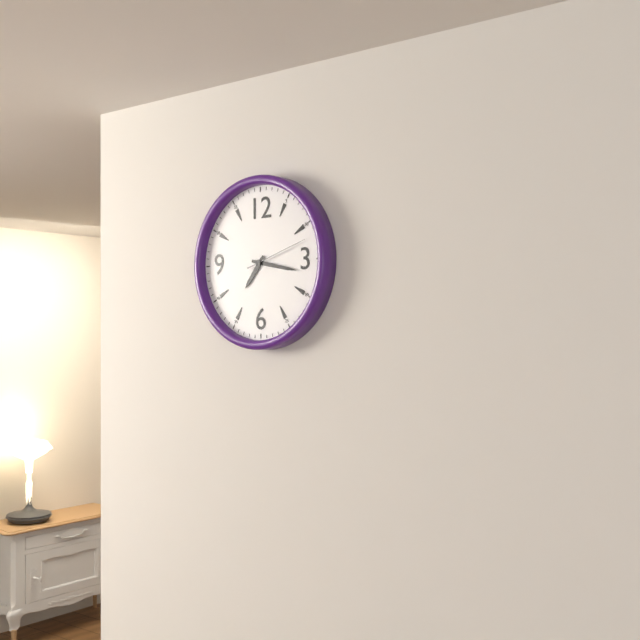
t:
7:17:12
